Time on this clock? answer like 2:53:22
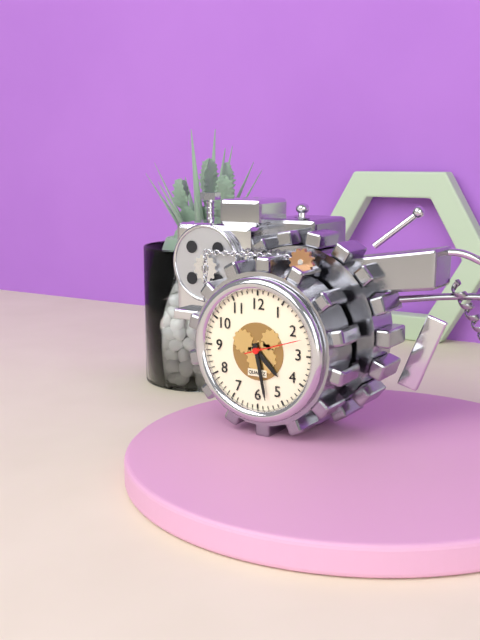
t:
4:28:12
